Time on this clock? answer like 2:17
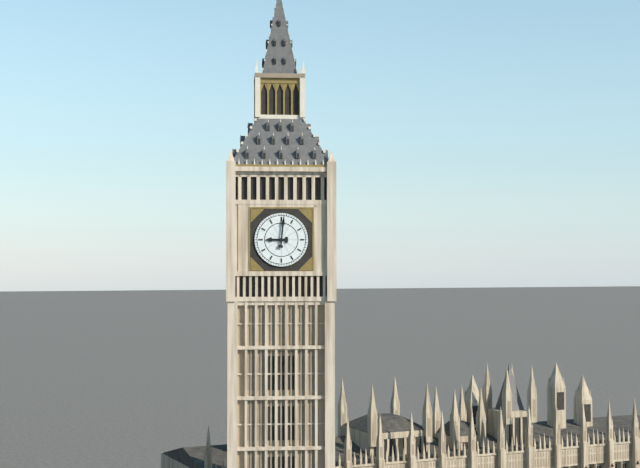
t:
9:01
